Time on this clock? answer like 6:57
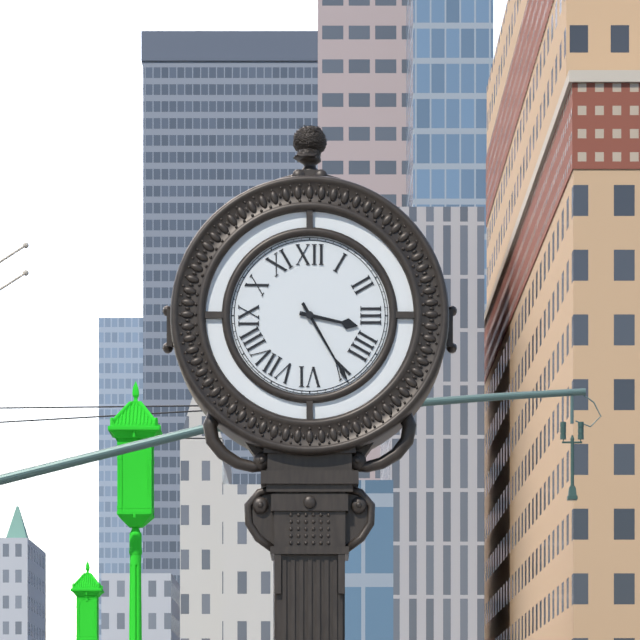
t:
3:25
